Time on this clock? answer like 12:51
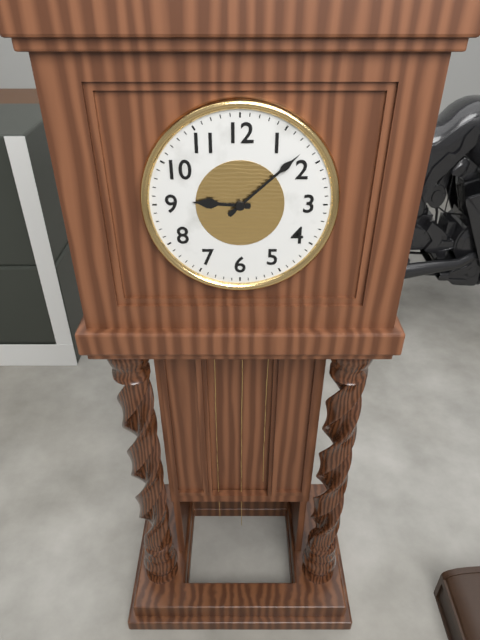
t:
9:08
